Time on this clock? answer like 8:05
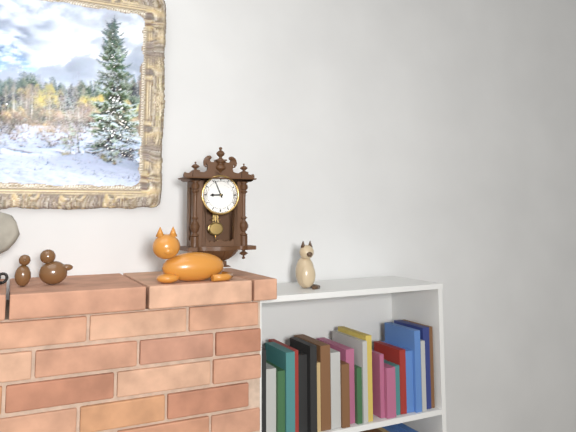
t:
8:56
